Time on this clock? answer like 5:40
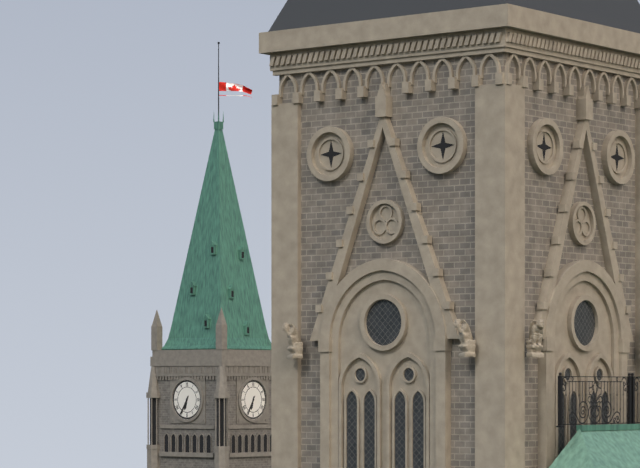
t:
6:35
